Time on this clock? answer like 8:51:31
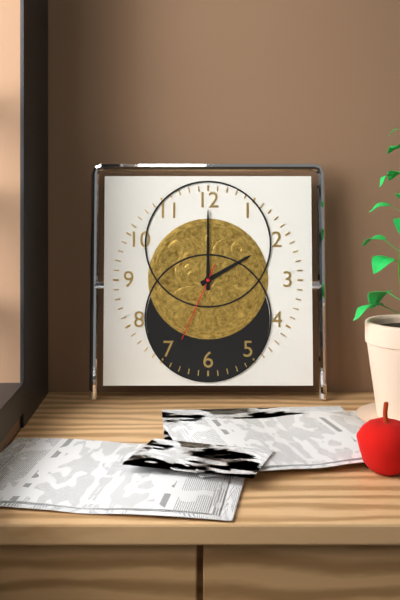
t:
2:00:34
